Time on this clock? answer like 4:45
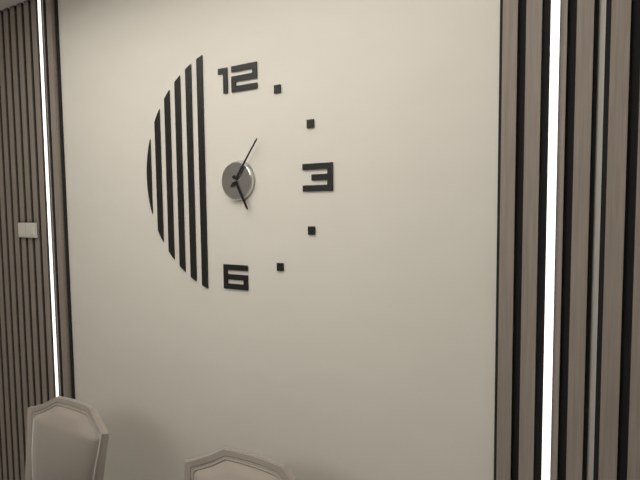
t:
5:06
